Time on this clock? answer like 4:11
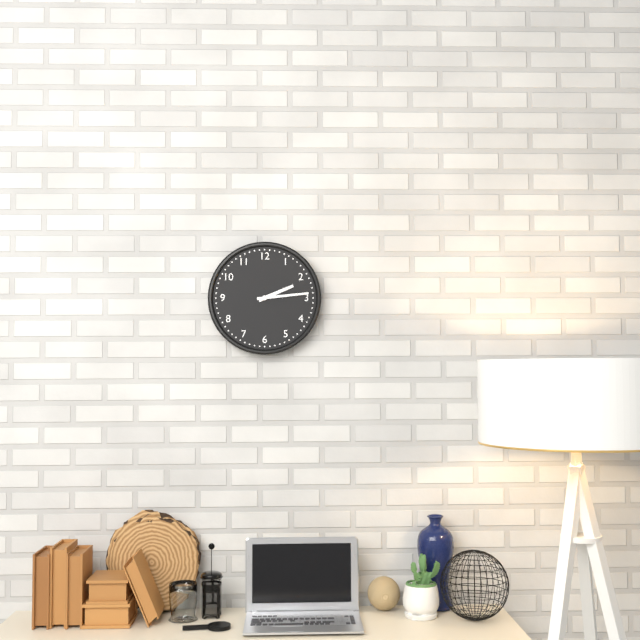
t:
2:14
